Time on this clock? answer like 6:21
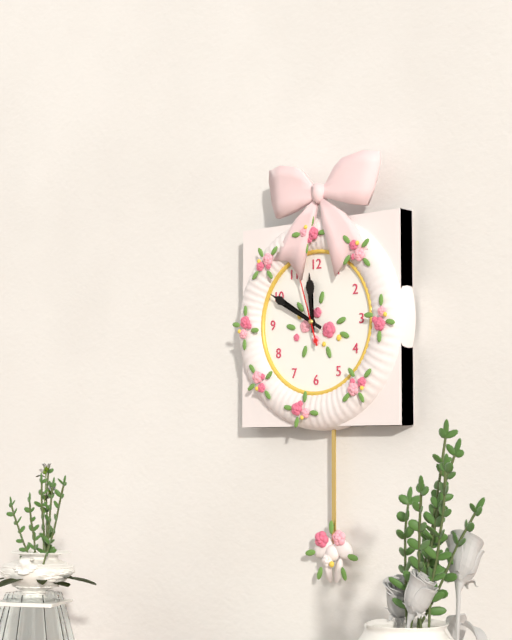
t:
11:50
